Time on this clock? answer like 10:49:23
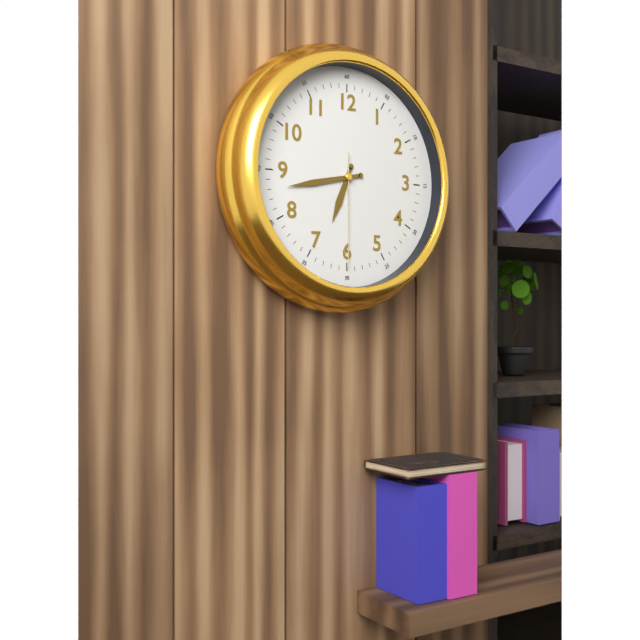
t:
6:43:30
